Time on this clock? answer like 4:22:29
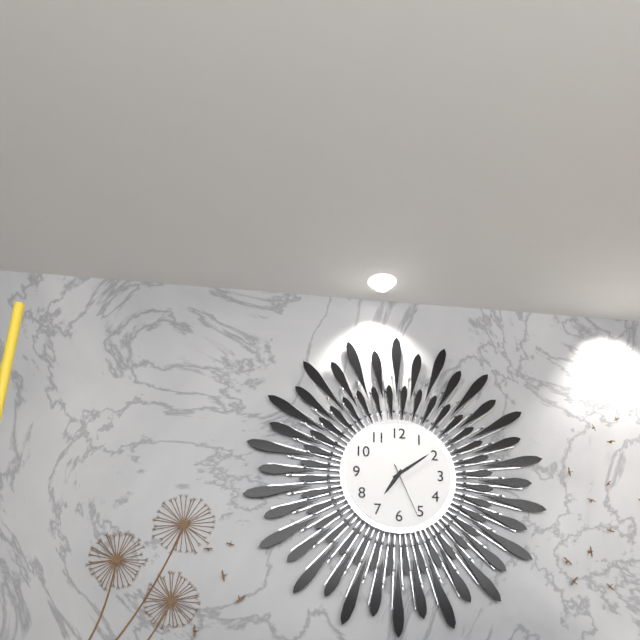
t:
7:09:26
